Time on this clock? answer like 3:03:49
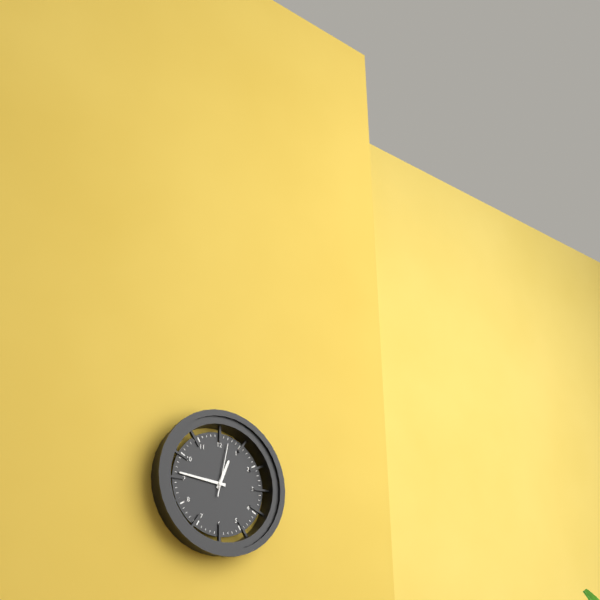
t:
12:46:02
